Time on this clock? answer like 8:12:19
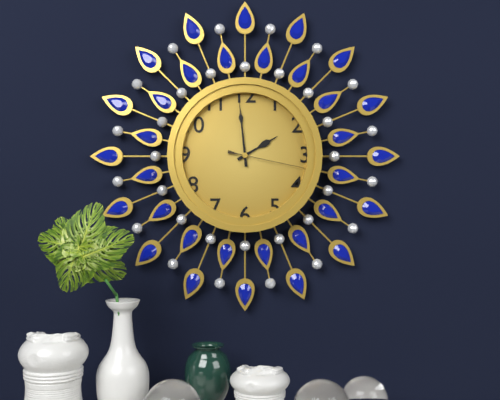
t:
1:59:17
